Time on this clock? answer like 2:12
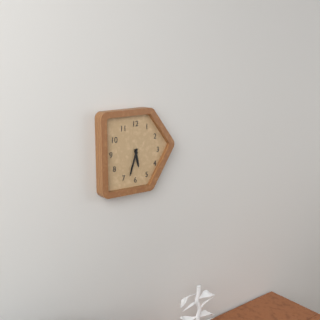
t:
5:33
